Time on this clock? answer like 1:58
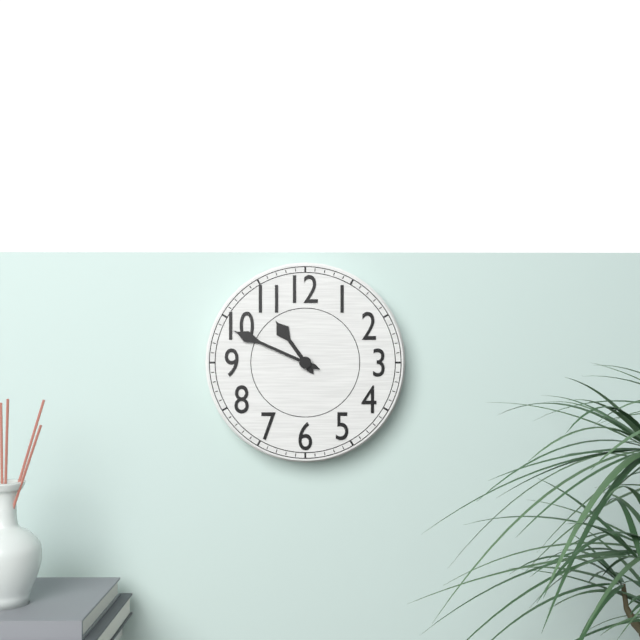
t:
10:49
